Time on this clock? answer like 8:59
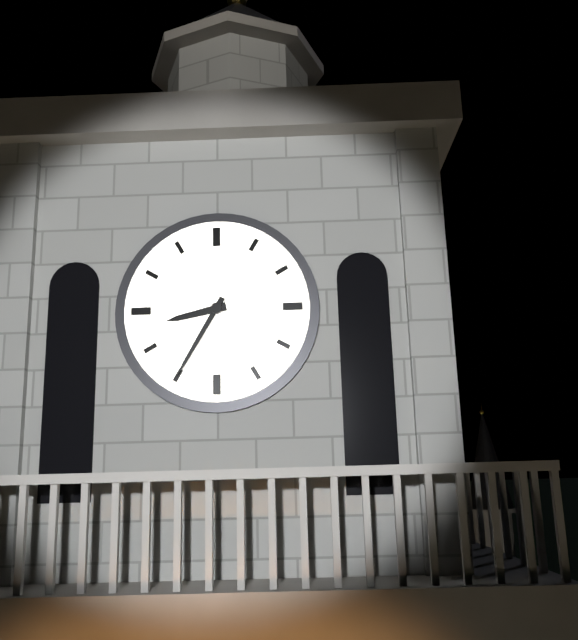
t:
8:35
